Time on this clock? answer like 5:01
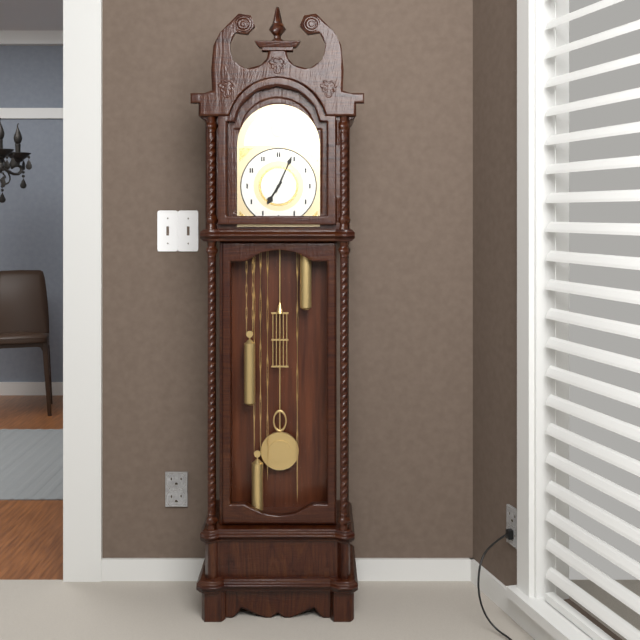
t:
7:04
